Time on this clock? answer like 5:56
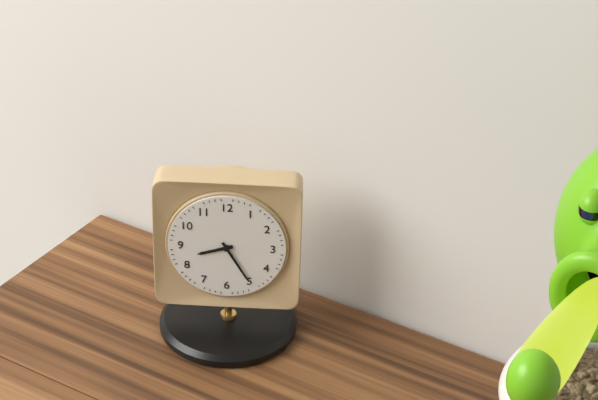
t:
8:25
